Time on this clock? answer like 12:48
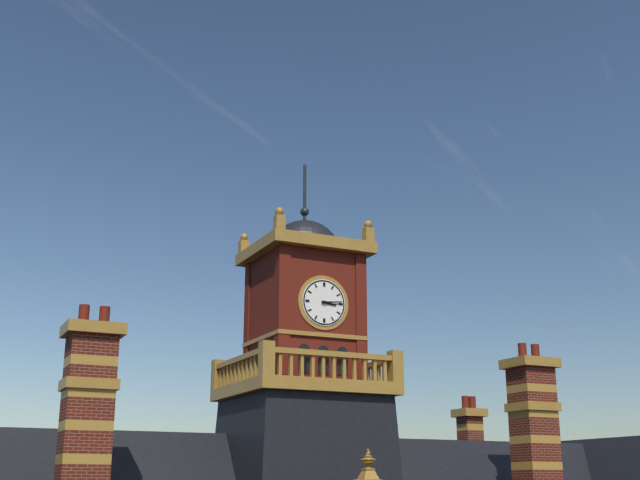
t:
3:14
